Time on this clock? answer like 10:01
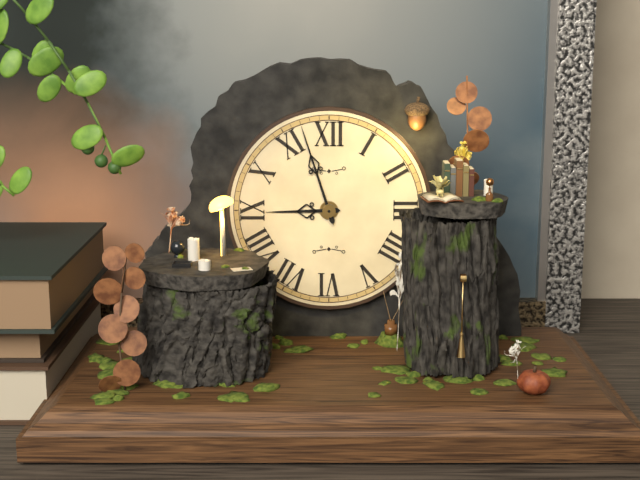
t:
8:57
